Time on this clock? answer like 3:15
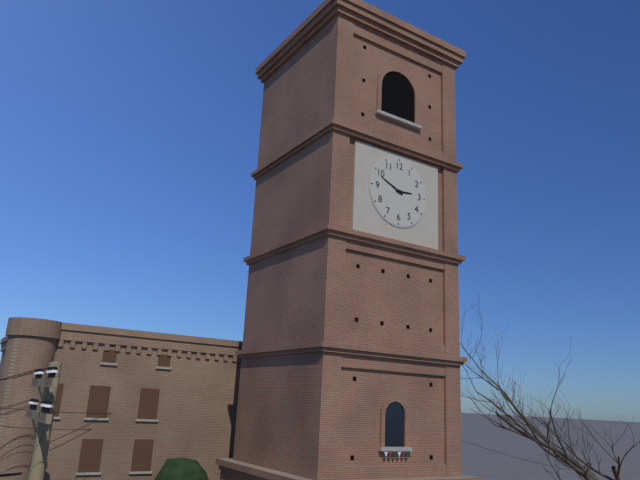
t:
2:49
